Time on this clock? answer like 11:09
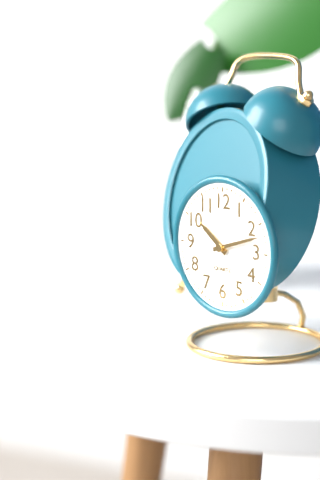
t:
10:12
